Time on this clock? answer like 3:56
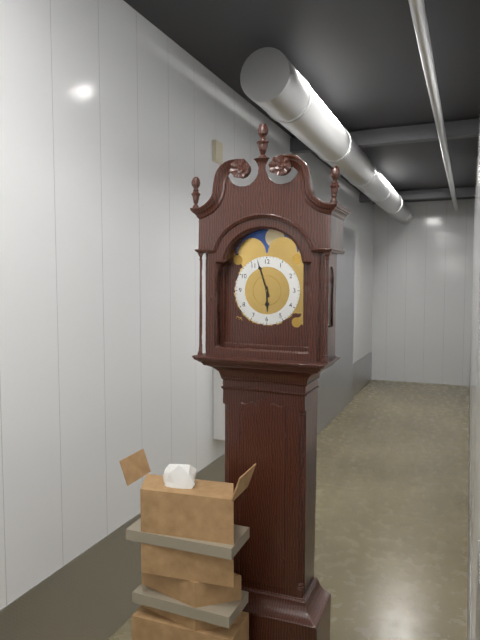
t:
5:57
